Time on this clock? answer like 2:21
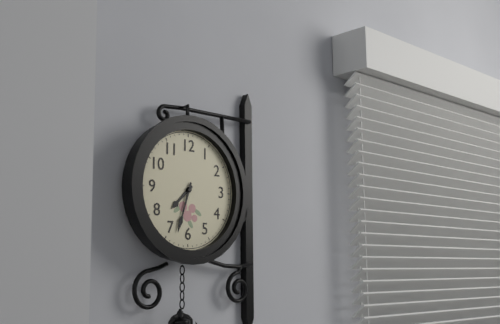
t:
7:33
